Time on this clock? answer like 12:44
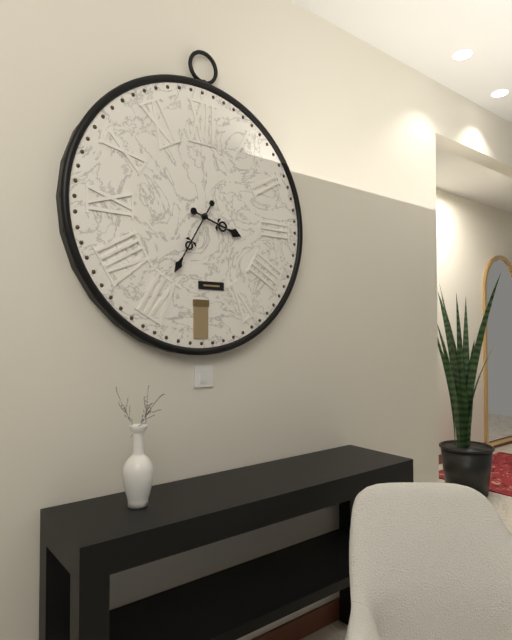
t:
3:35
